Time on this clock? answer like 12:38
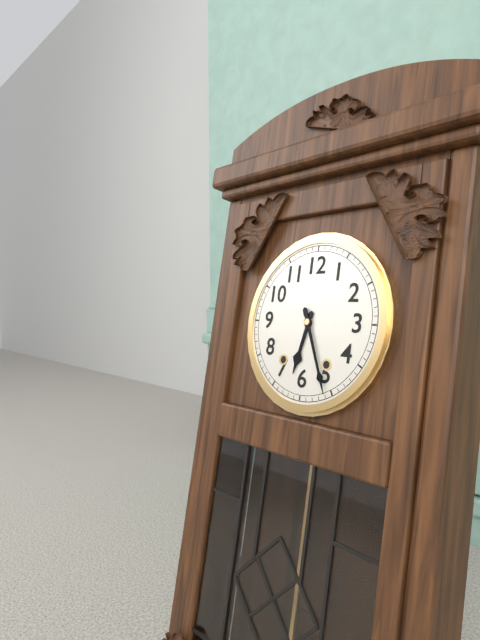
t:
6:26
